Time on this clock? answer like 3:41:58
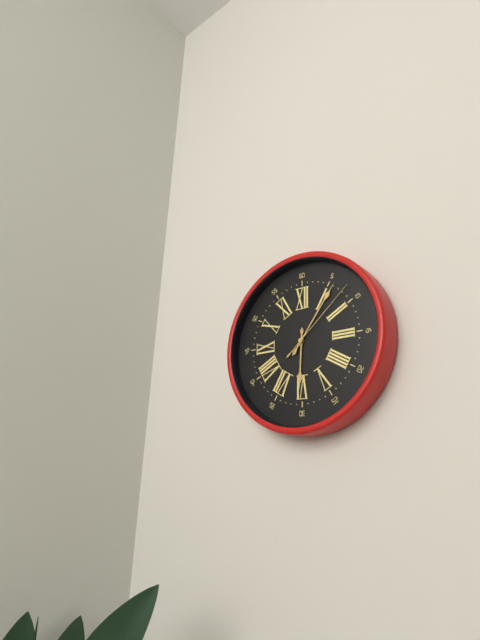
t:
6:06:08
